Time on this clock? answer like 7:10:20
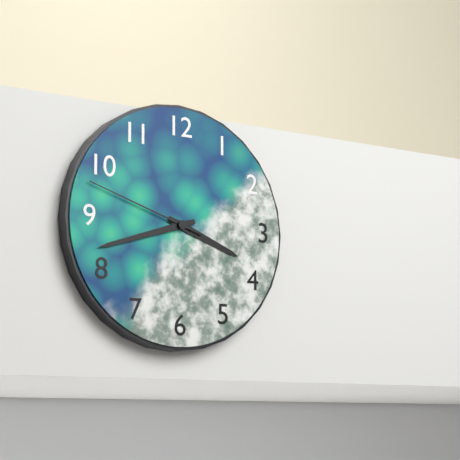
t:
3:42:48
